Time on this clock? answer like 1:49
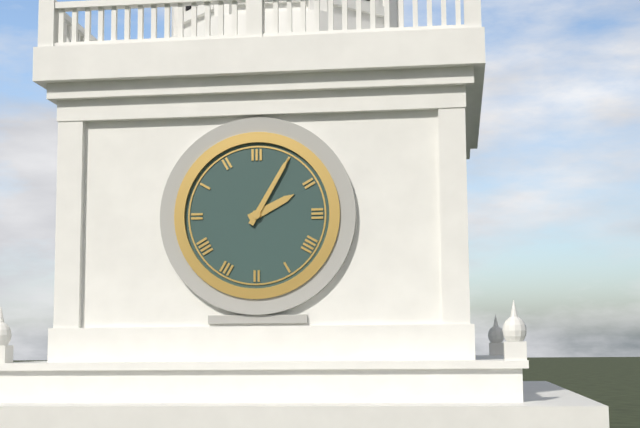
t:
2:05
